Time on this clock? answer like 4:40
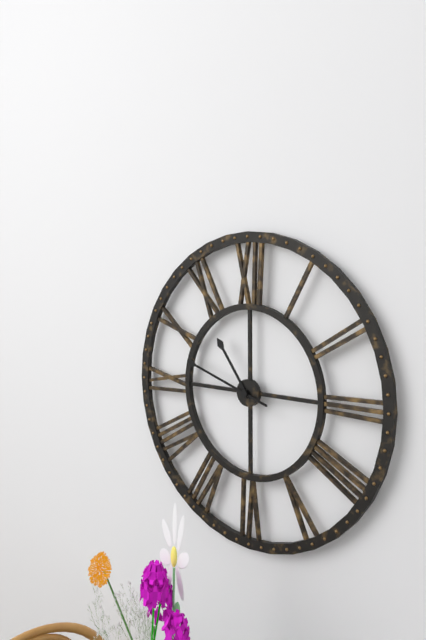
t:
10:48
